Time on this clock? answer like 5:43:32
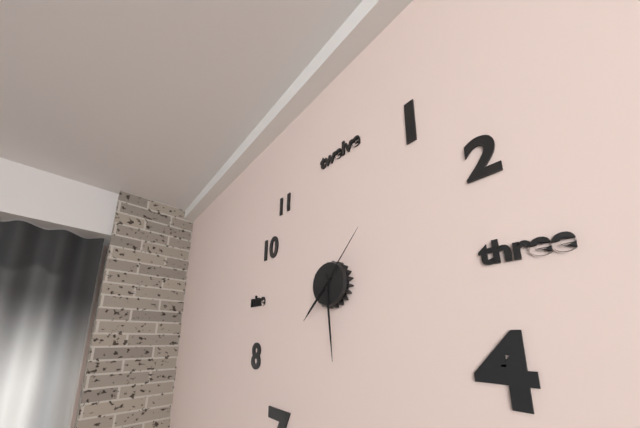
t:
7:29:07
